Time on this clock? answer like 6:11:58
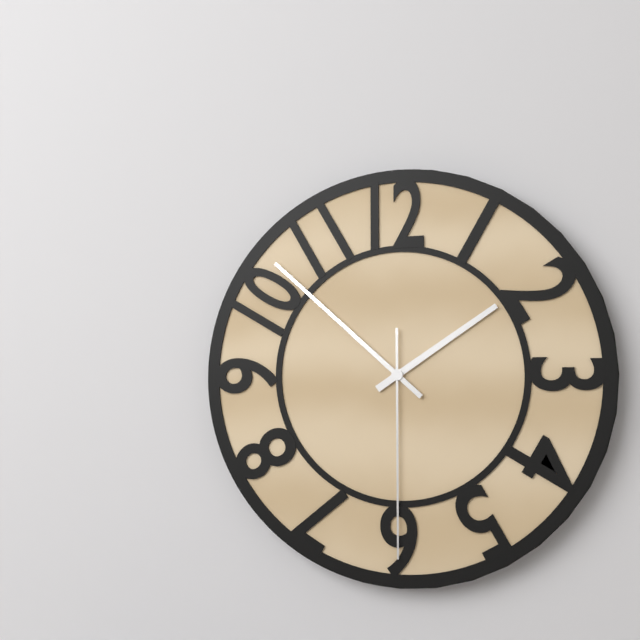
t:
1:52:30
